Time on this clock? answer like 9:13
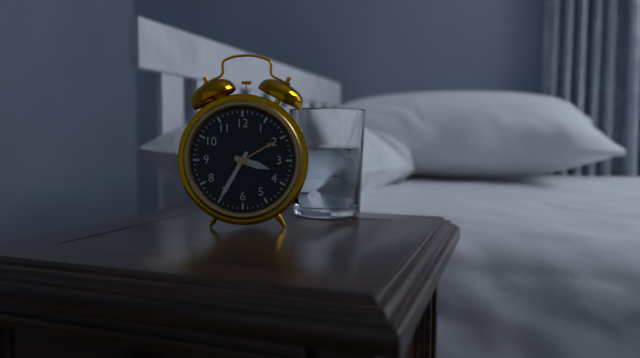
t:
3:35
